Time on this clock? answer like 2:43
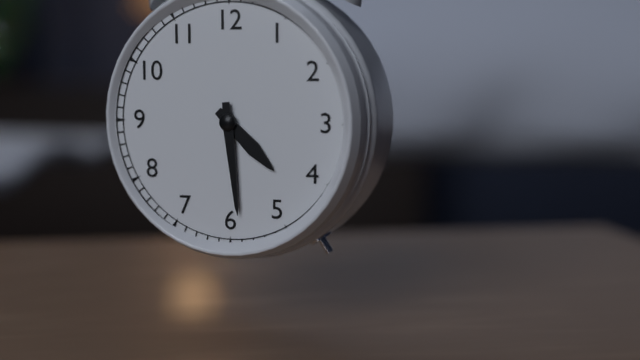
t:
4:29
